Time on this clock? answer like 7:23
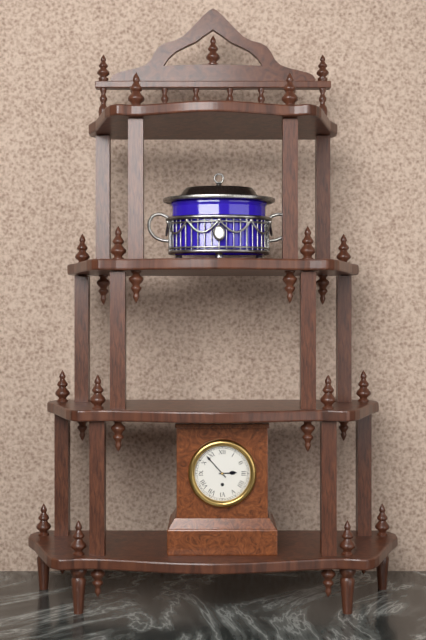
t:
2:53
